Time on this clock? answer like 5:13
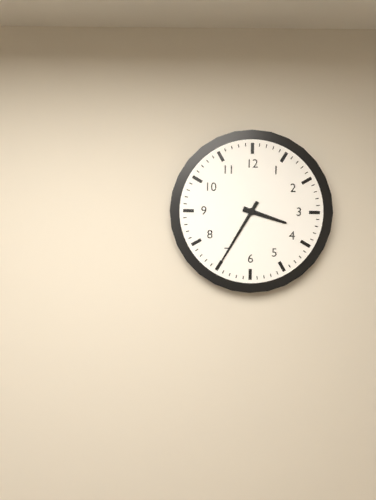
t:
3:35
